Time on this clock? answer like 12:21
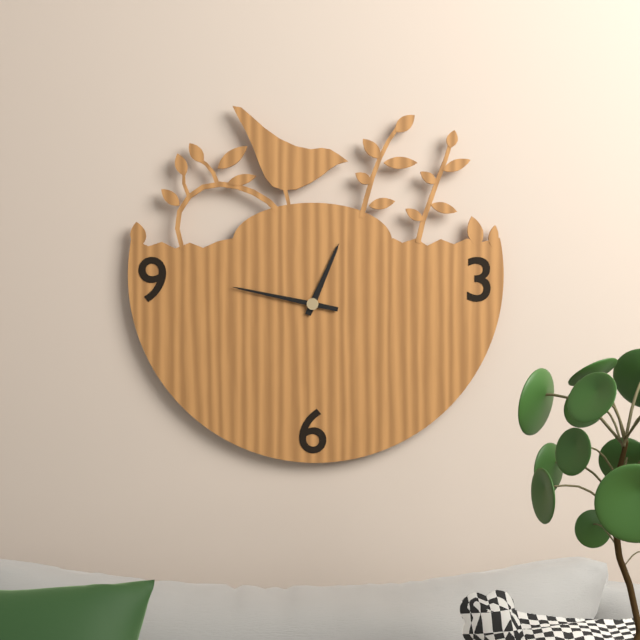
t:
12:47
